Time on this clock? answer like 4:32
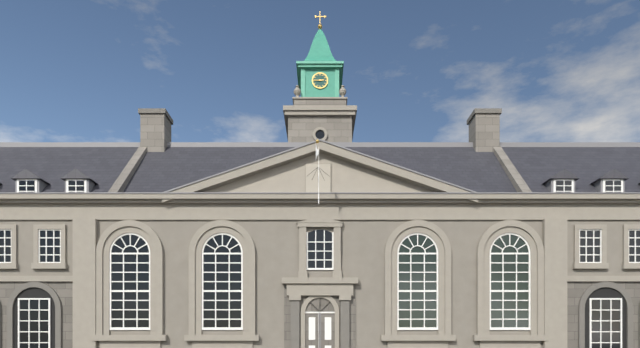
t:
2:45
